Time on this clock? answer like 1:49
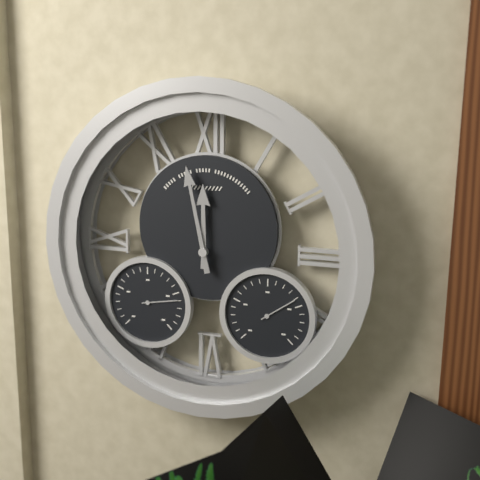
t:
11:58
